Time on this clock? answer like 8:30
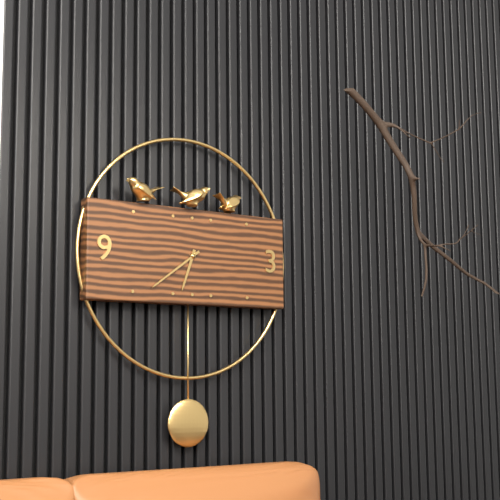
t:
6:39
